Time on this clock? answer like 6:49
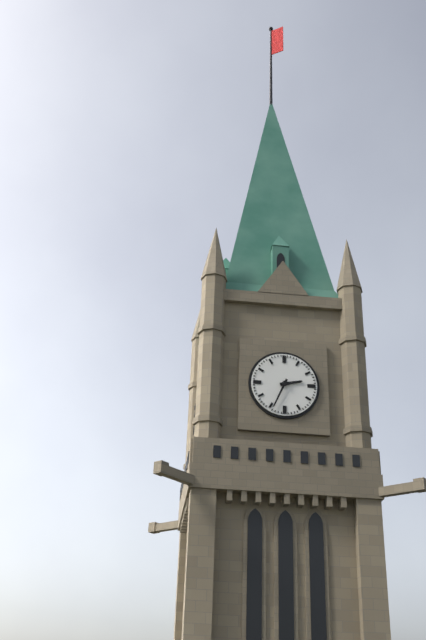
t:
2:34
